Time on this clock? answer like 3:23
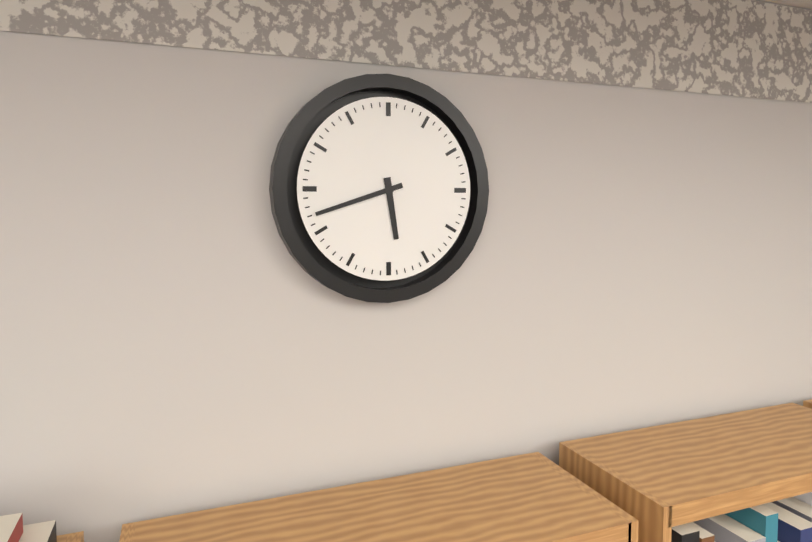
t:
5:42
